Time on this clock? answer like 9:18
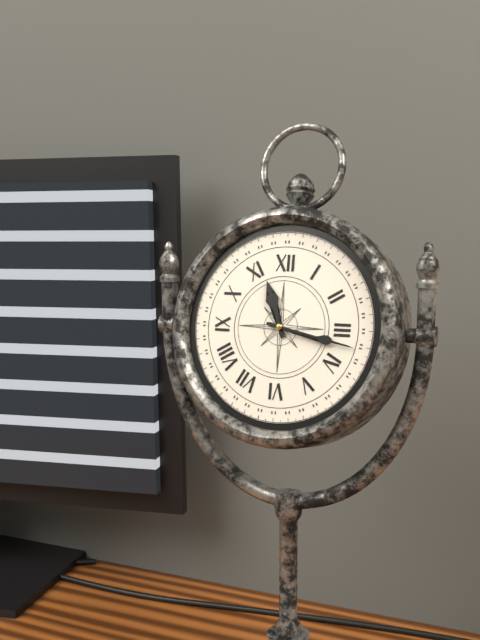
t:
11:17
